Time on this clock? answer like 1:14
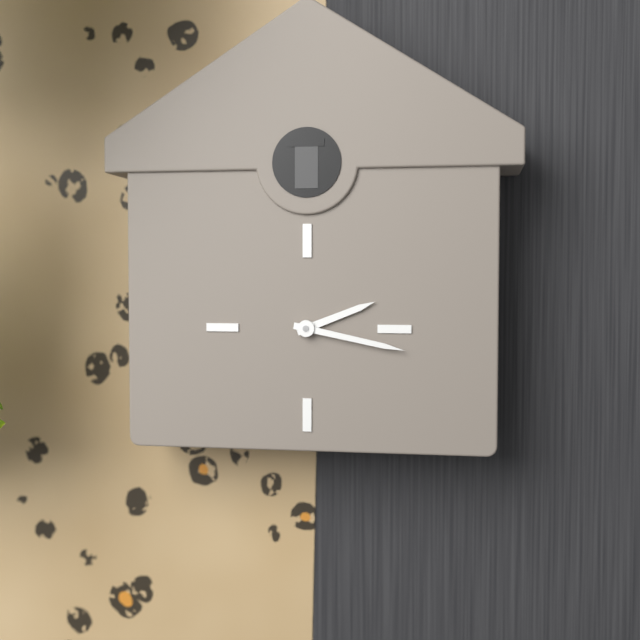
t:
2:17
